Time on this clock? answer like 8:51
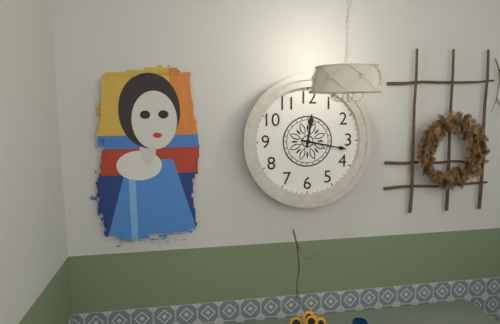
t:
12:17
